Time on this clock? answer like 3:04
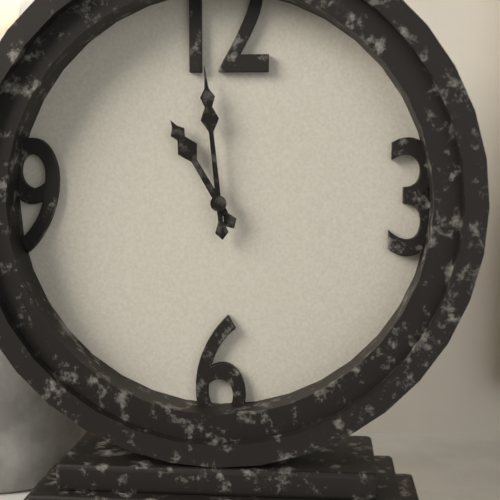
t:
10:59
